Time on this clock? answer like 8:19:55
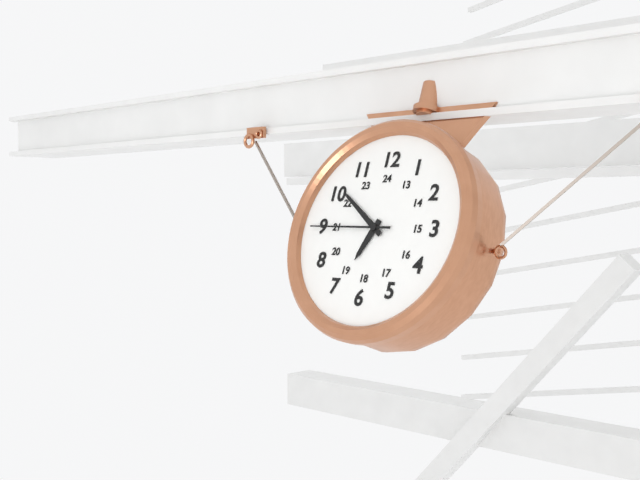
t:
6:51:45
